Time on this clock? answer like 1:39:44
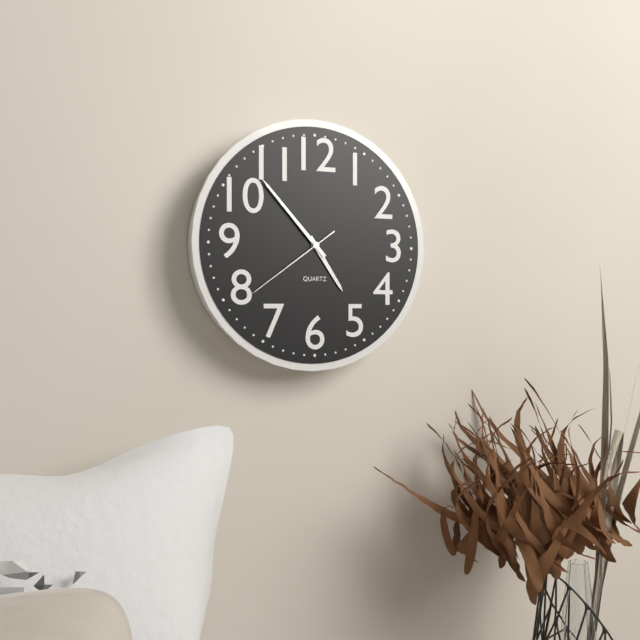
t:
4:53:39
